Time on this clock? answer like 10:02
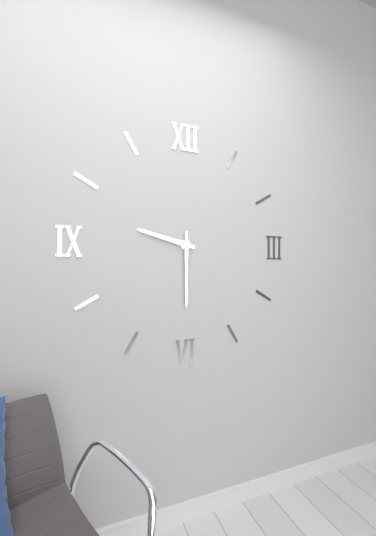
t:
9:30
